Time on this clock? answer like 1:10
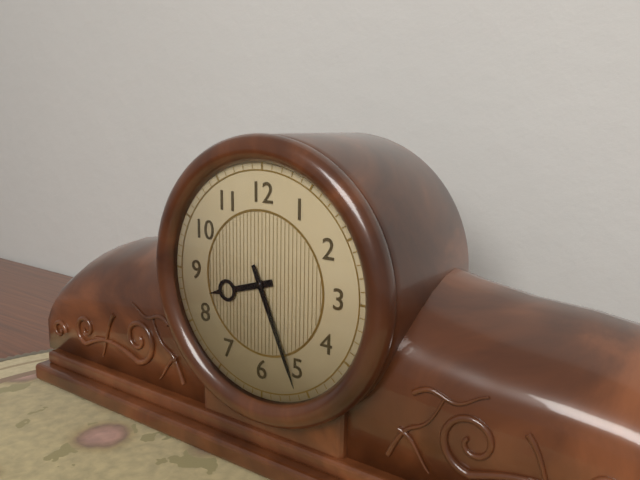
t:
8:26
